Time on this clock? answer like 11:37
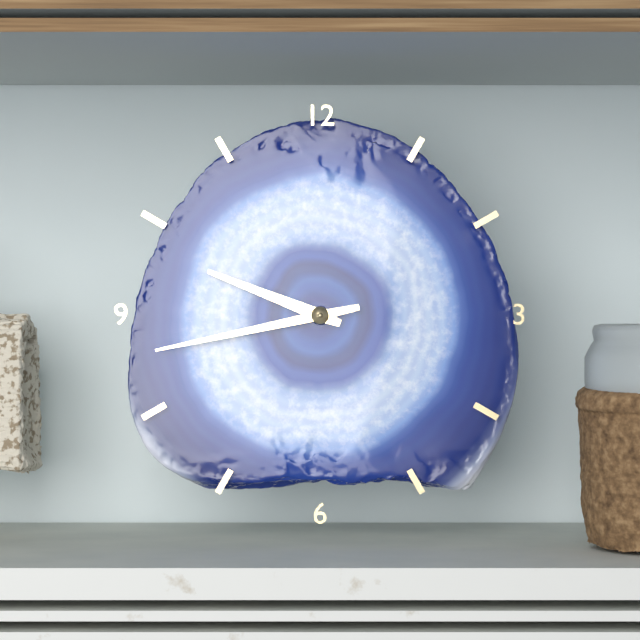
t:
9:43
